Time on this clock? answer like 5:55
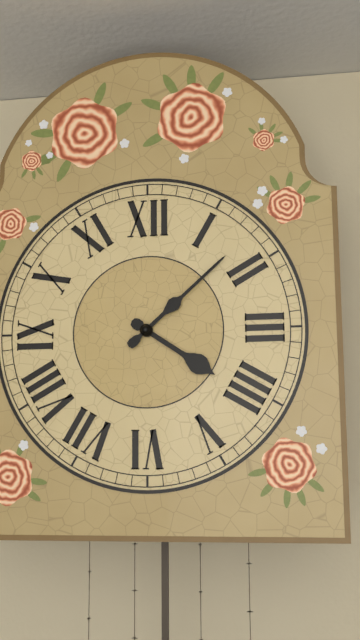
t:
4:08
